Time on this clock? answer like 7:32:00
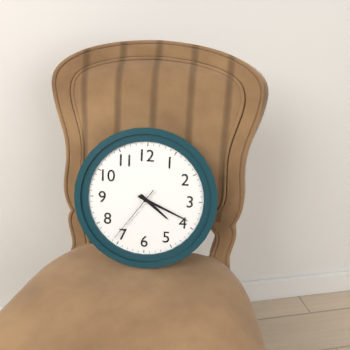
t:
4:19:36
